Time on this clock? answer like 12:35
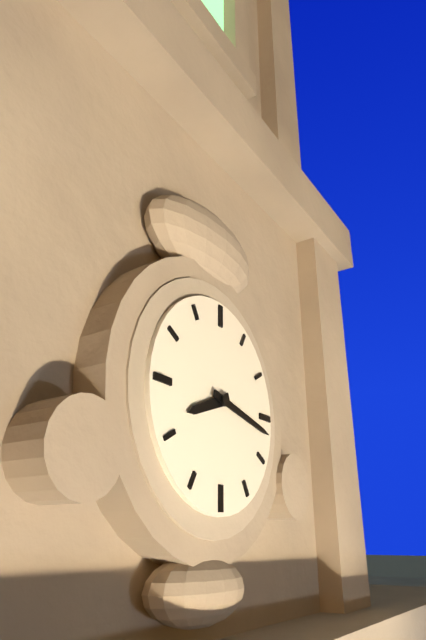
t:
8:17
